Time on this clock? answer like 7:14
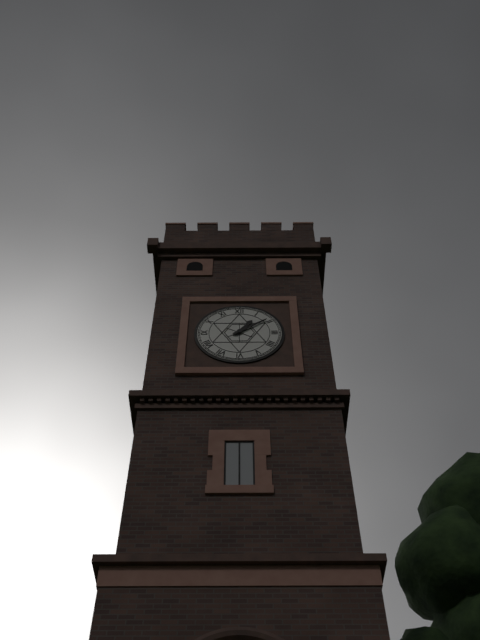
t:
1:09
